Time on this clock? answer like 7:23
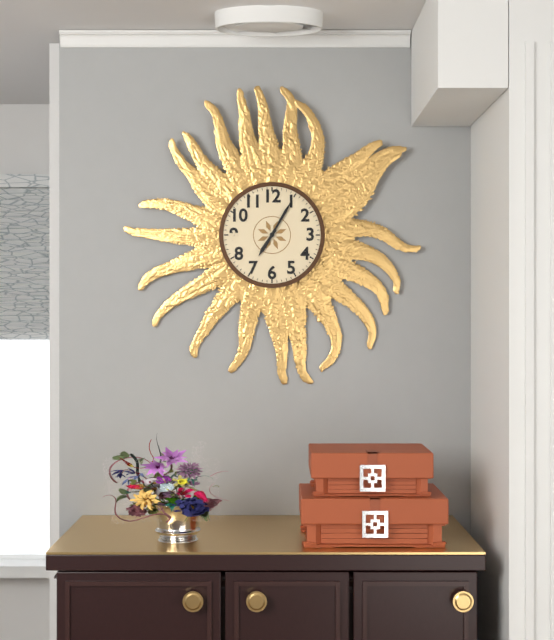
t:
7:05
